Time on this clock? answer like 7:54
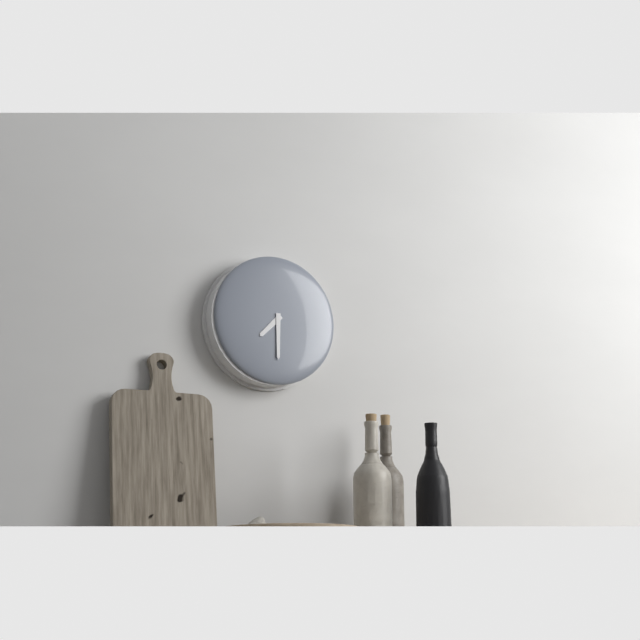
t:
7:30
